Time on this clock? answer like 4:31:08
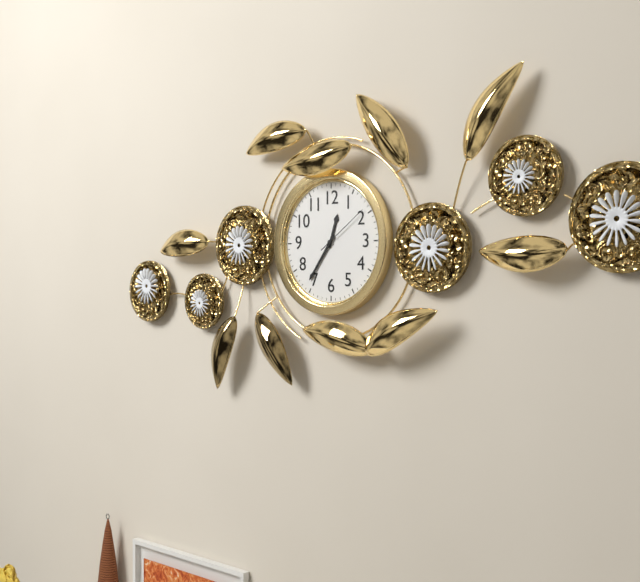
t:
12:36:09
